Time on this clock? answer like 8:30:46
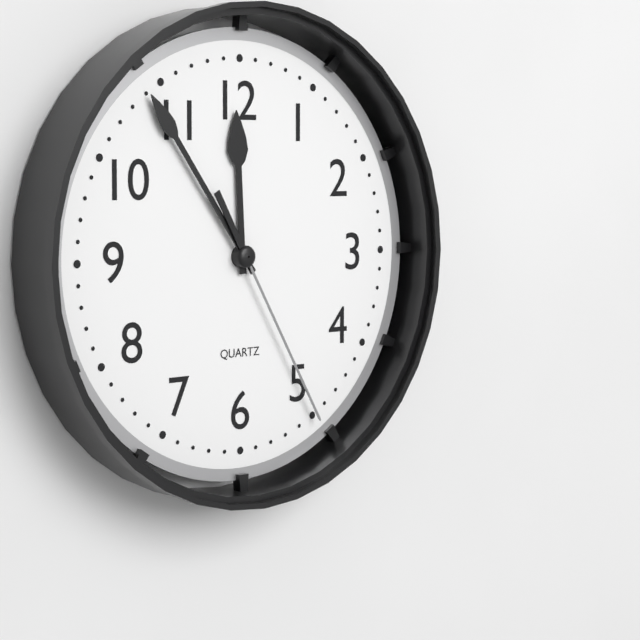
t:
11:54:25
